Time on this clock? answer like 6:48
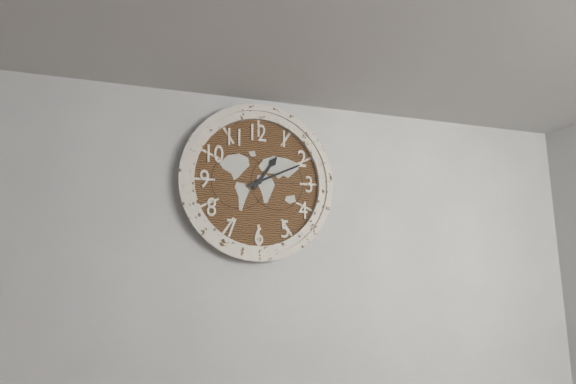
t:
1:11
